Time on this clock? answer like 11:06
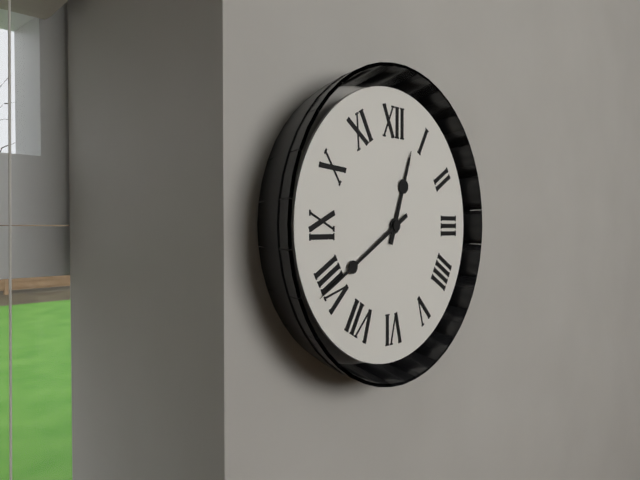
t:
12:40
